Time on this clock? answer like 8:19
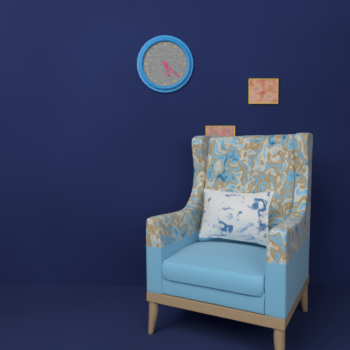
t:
5:22
